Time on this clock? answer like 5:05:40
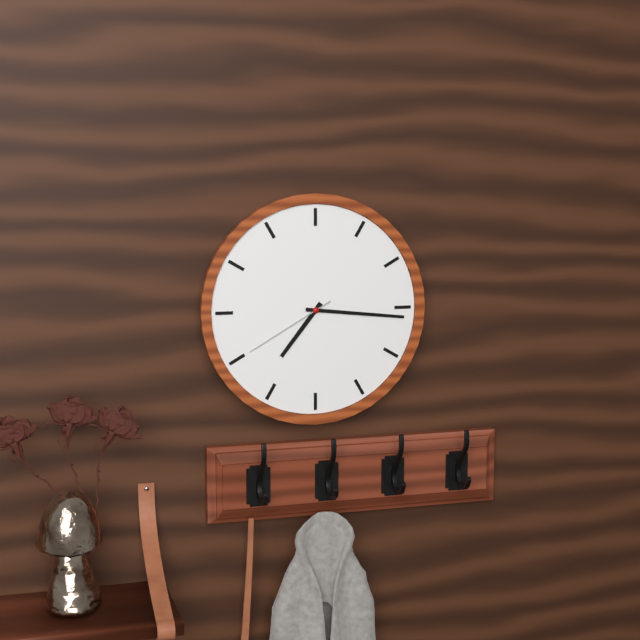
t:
7:16:40
